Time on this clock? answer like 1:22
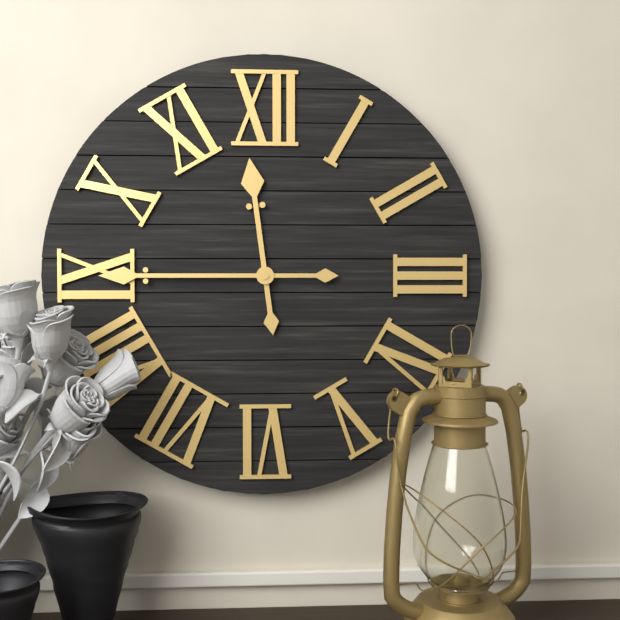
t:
11:45
